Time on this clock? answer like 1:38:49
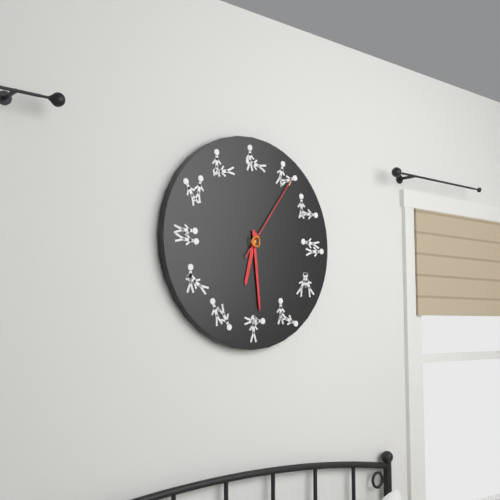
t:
6:29:06
